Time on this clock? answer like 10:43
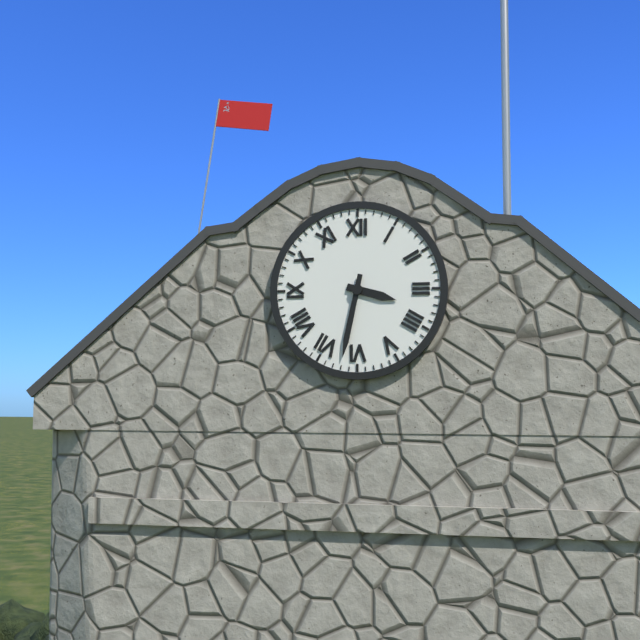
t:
3:32
